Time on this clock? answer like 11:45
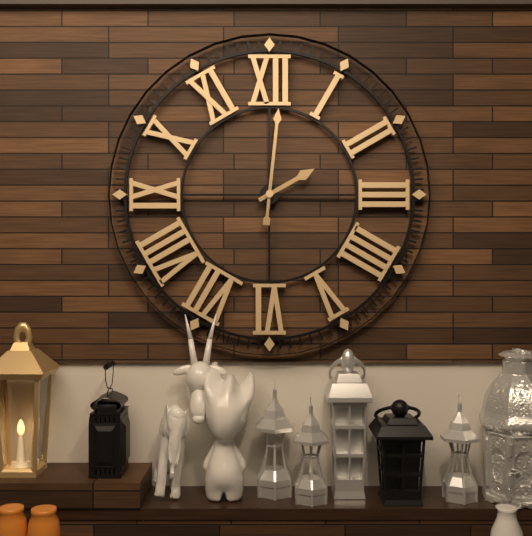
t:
2:01
